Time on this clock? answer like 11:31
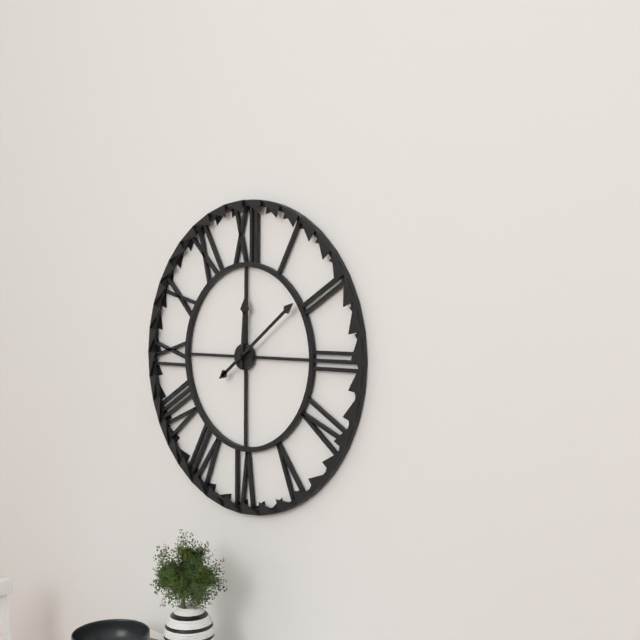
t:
12:09
